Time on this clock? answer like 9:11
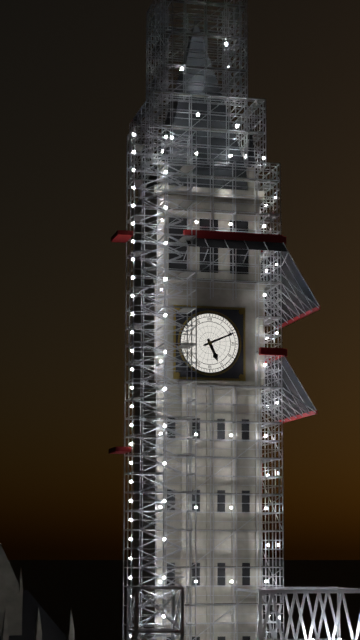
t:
5:11
